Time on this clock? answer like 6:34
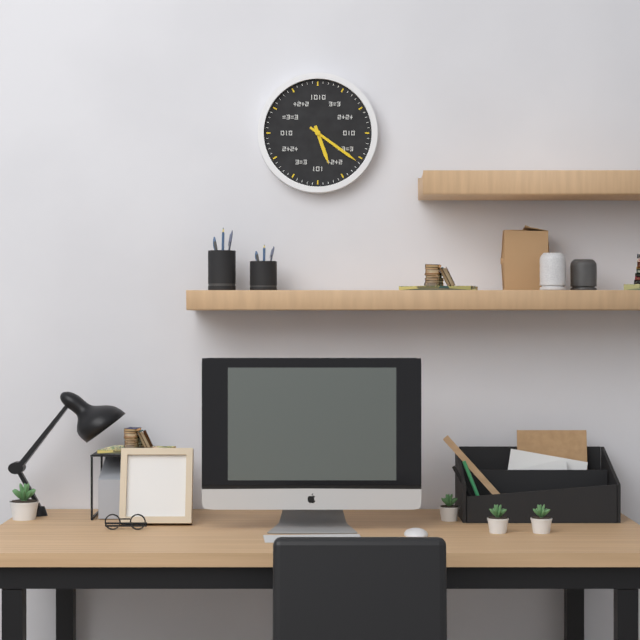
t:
5:21
